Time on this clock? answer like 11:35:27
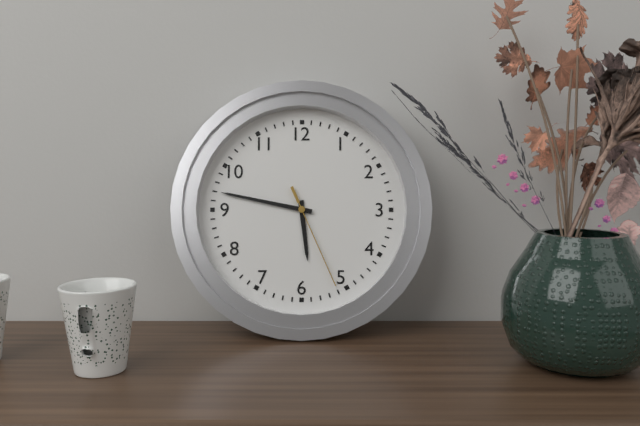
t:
5:47:26
